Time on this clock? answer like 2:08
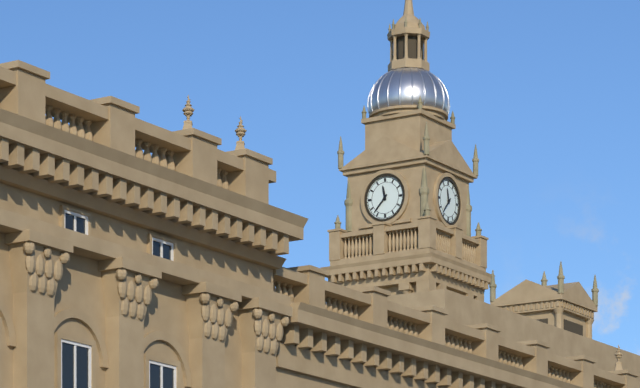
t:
11:37
